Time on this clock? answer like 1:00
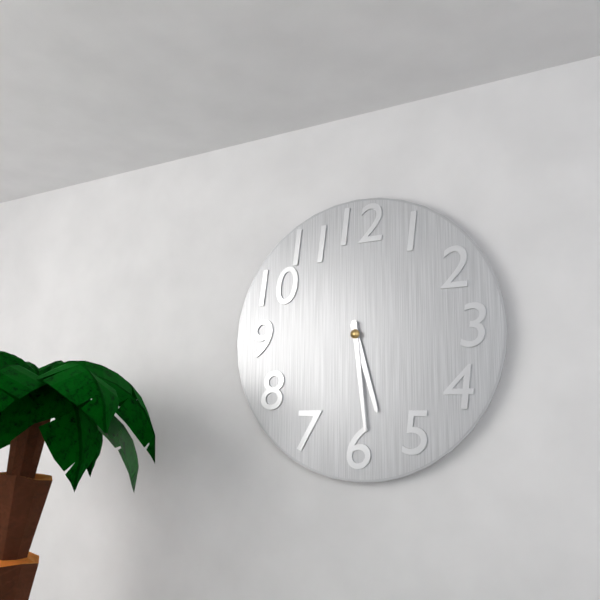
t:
5:29
